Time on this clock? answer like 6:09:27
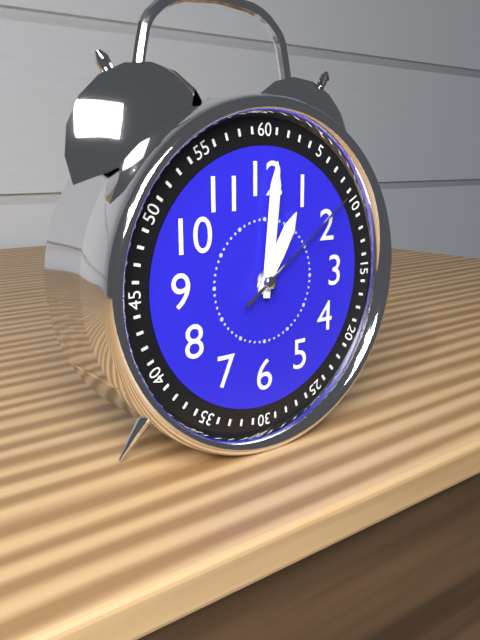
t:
1:01:09
